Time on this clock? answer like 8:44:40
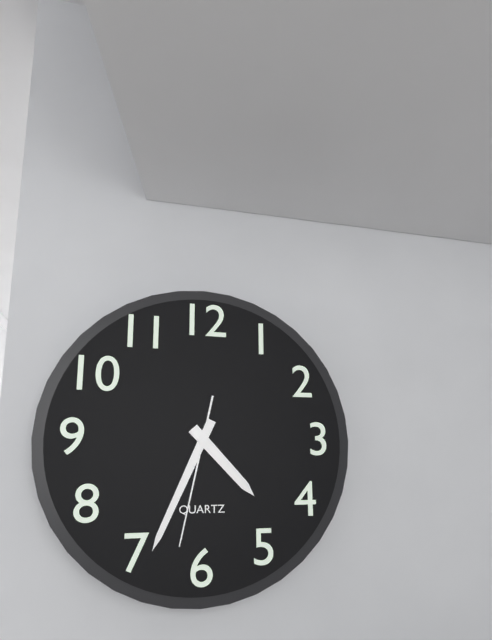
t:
4:34:32
